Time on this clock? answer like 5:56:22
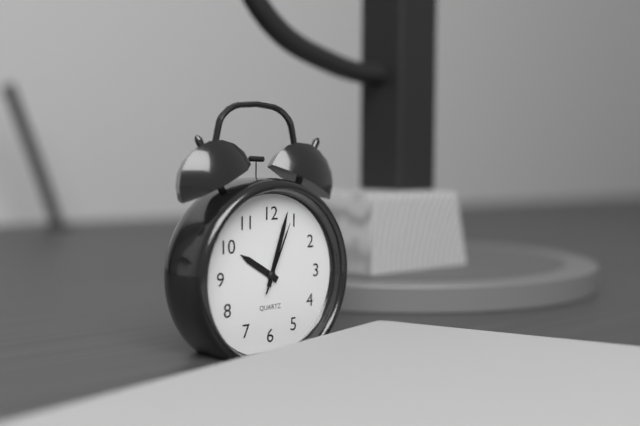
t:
10:03:04
